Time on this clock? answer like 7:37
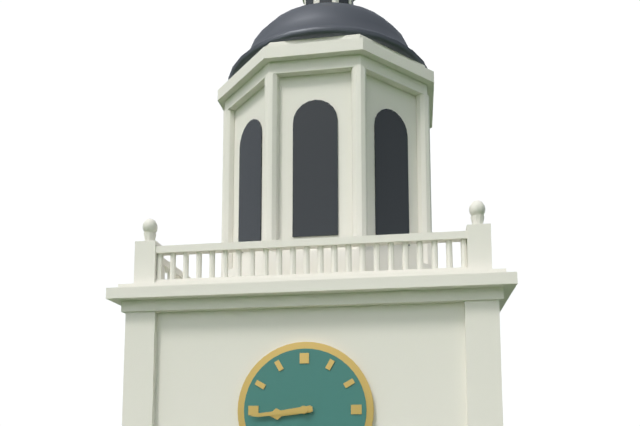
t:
8:44
